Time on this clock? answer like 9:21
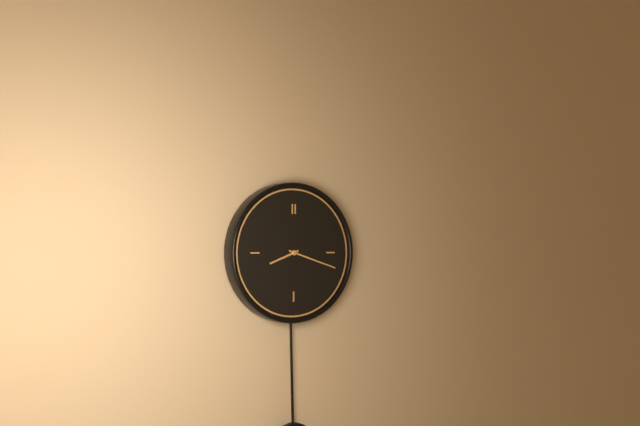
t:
8:18
